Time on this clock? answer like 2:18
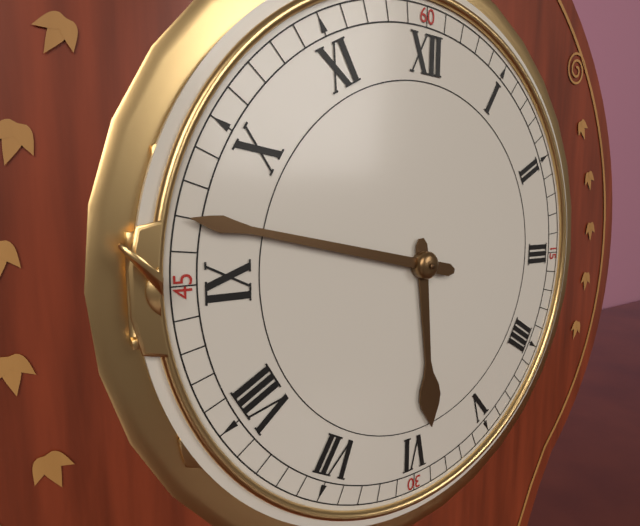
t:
5:47
